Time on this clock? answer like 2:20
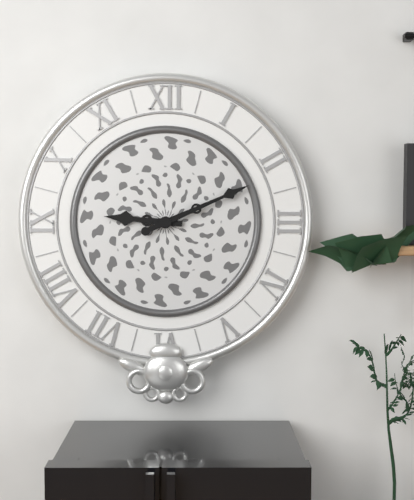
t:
9:11
